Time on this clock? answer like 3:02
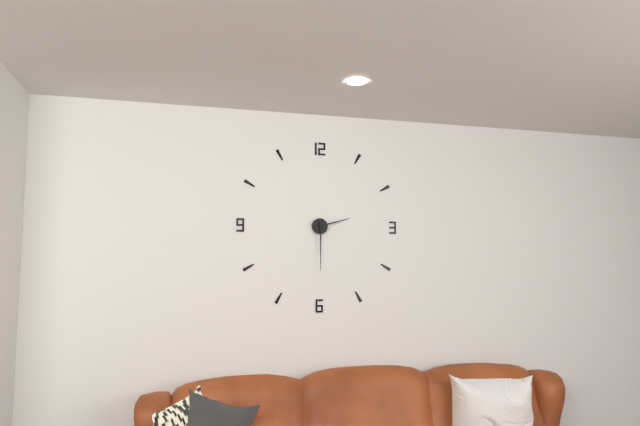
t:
2:30
